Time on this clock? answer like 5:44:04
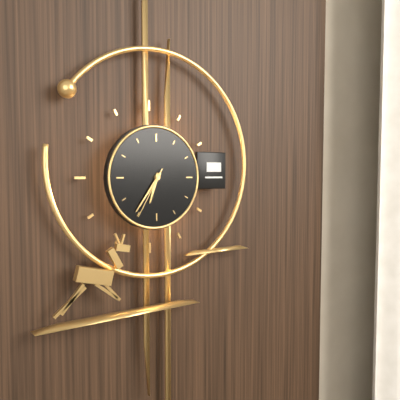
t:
6:36:35
